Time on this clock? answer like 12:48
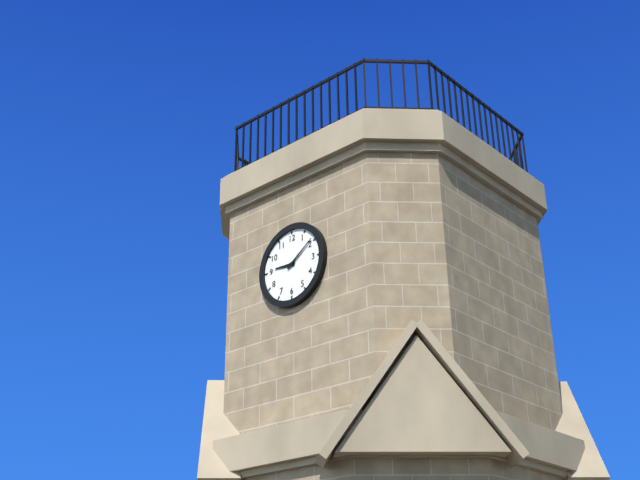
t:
9:09
